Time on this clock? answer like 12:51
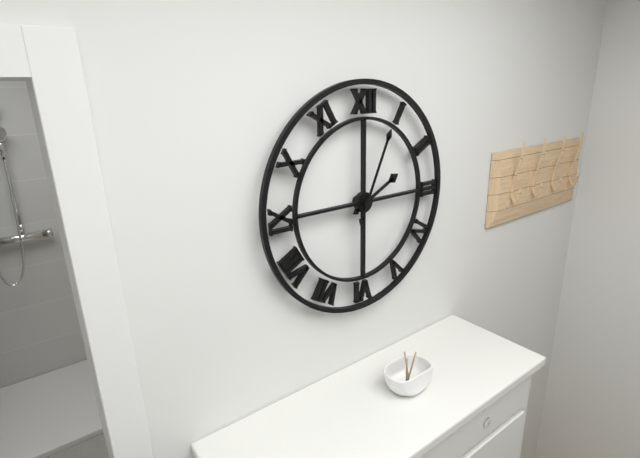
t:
2:04
